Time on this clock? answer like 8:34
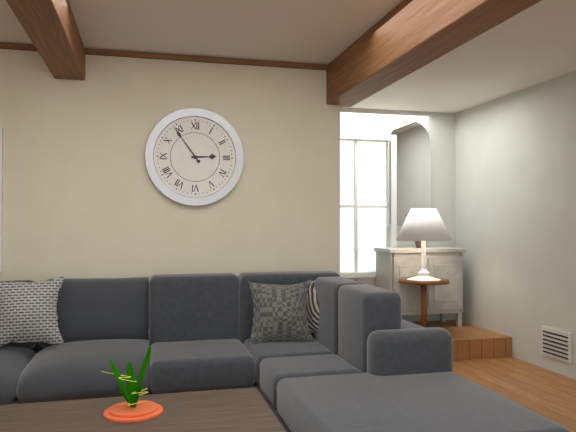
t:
2:54
